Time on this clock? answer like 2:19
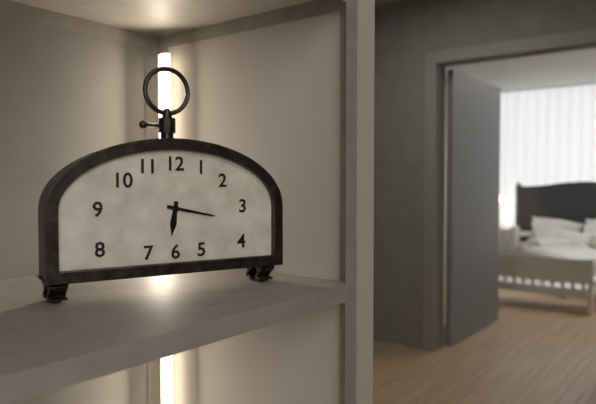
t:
6:17
